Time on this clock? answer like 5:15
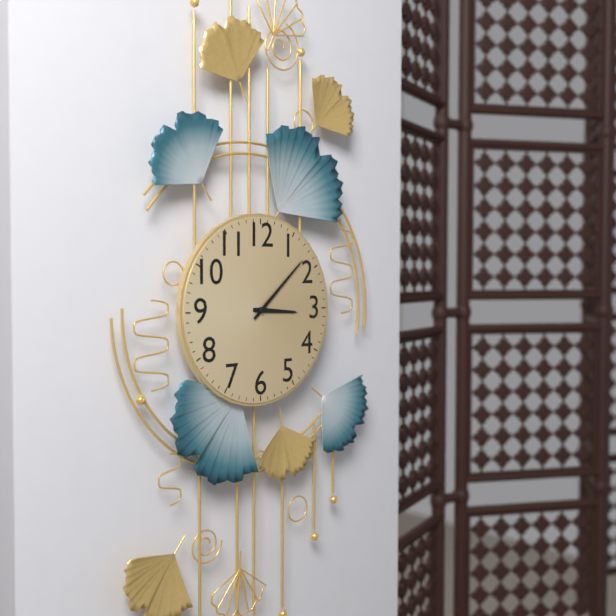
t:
3:08
